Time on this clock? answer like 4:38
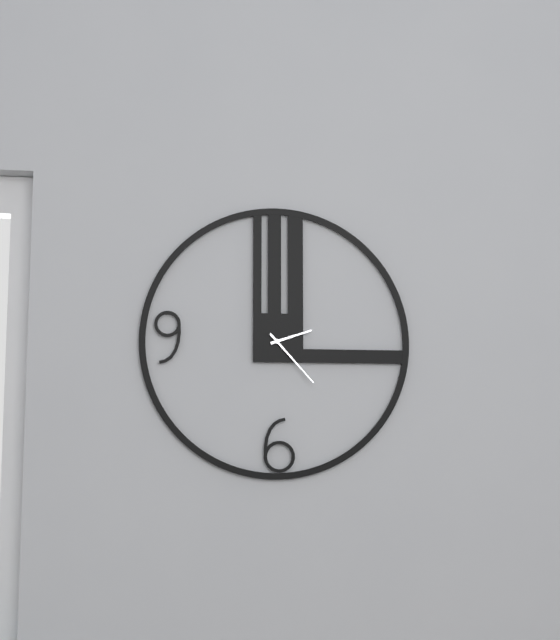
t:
2:23
